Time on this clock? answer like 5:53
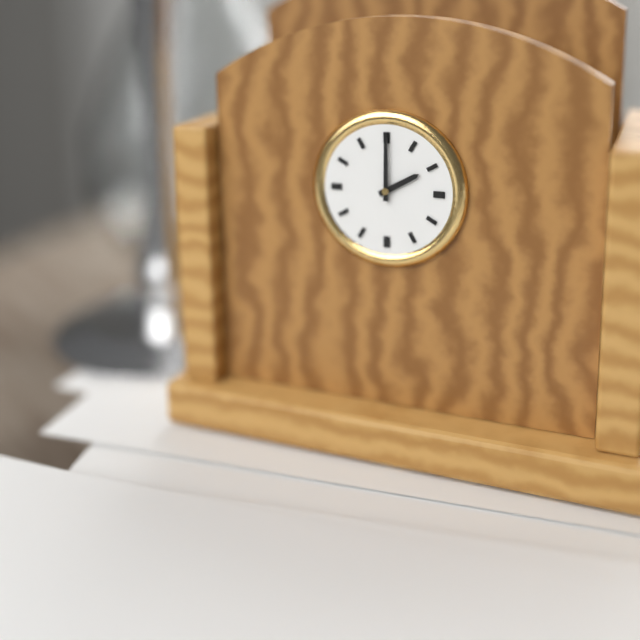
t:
2:00
